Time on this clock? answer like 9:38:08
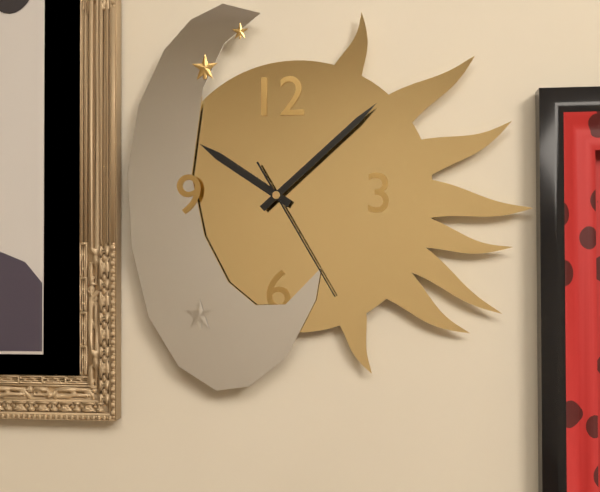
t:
10:08:25
